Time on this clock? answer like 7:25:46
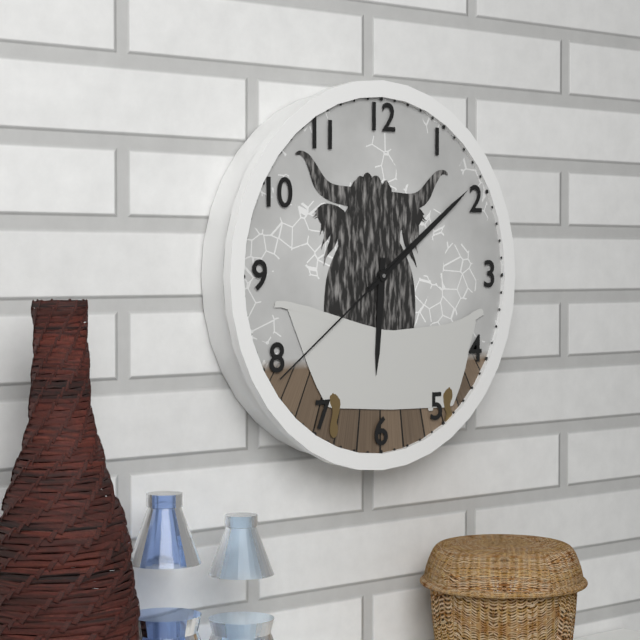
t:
6:09:39
